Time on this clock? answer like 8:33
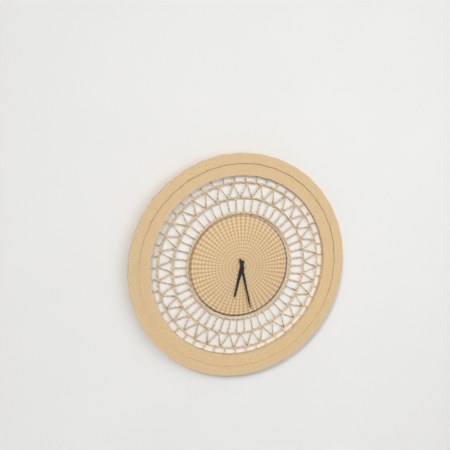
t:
6:28
